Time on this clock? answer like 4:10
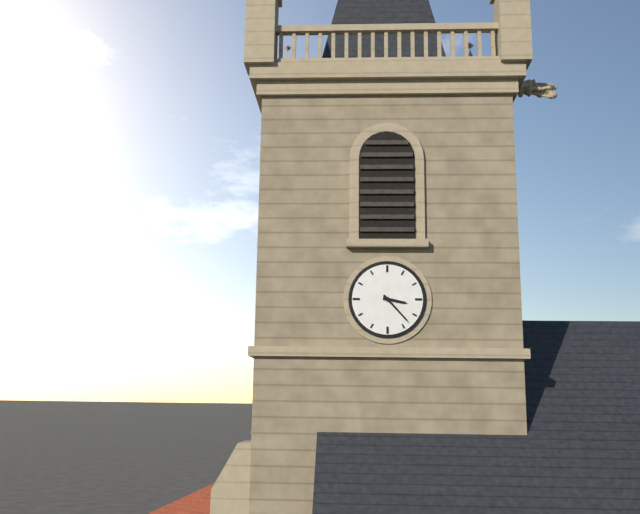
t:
3:23
